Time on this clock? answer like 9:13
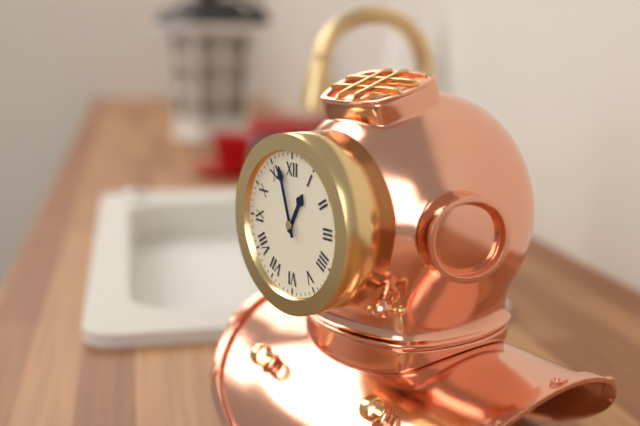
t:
12:57
